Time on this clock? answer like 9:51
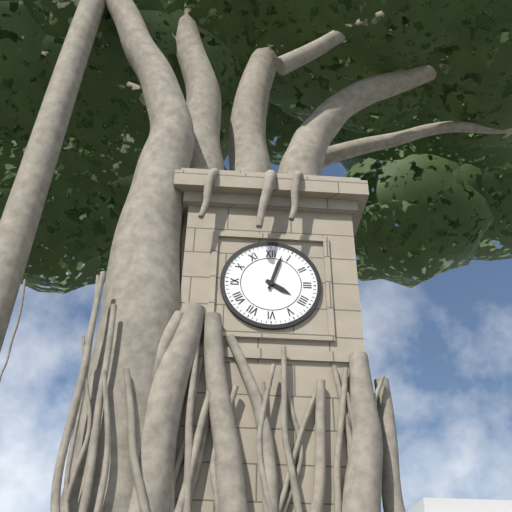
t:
4:03
